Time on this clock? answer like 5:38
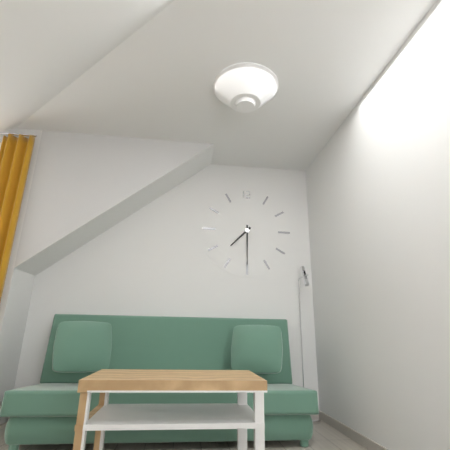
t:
7:30
